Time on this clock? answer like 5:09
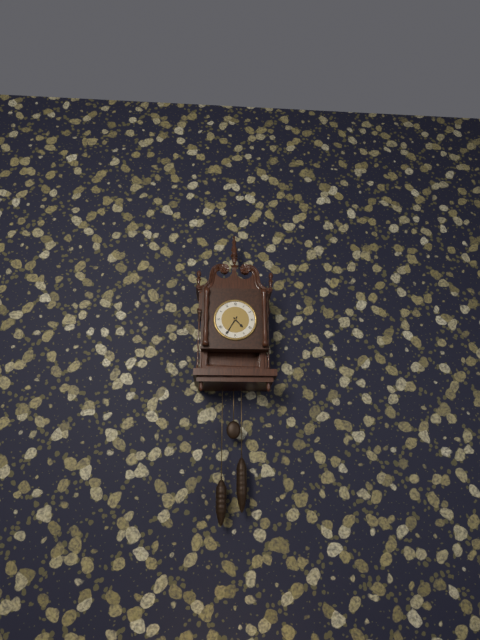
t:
4:35
